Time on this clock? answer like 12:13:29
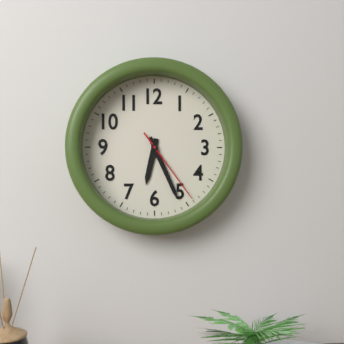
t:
6:26:24
